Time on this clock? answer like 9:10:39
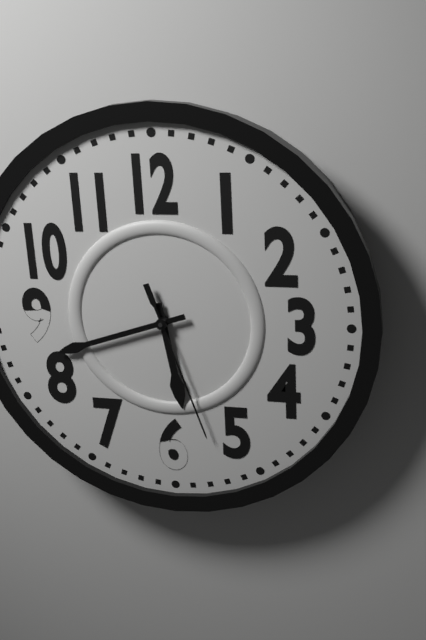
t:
5:42:27
